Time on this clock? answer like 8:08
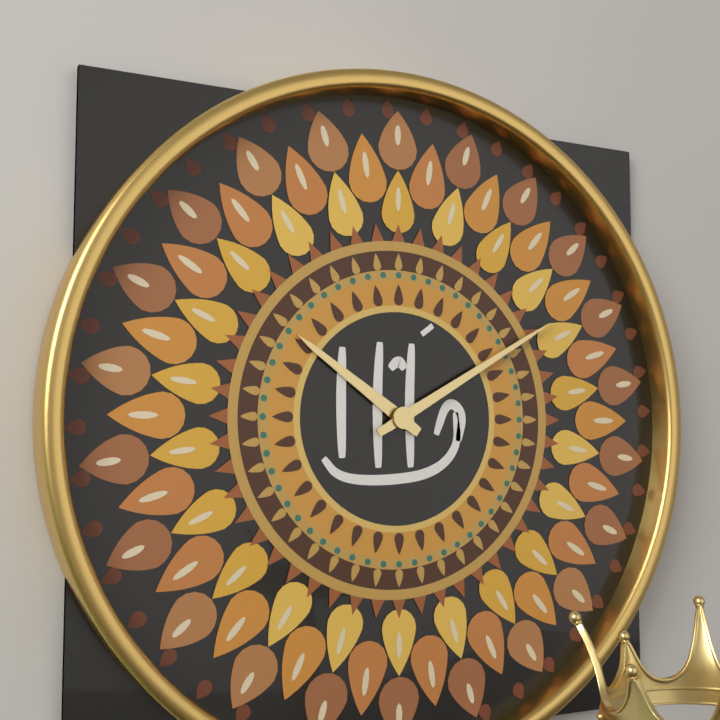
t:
10:10
